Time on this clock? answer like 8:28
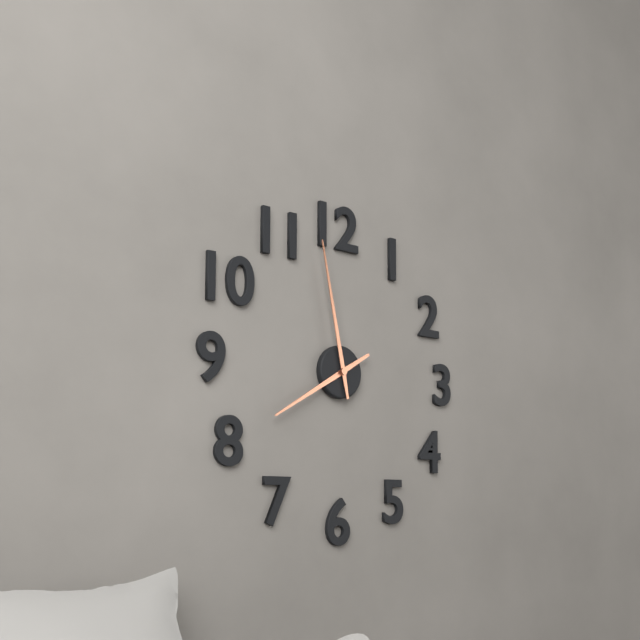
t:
7:58
